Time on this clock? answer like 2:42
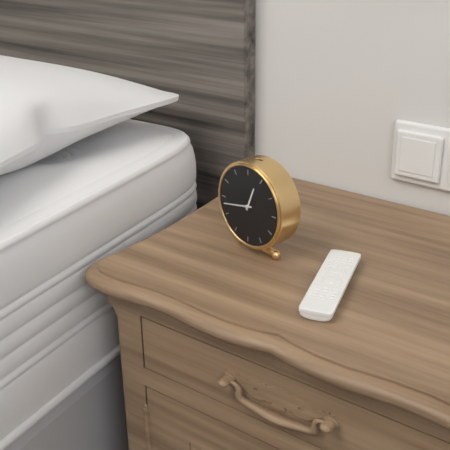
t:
12:43
